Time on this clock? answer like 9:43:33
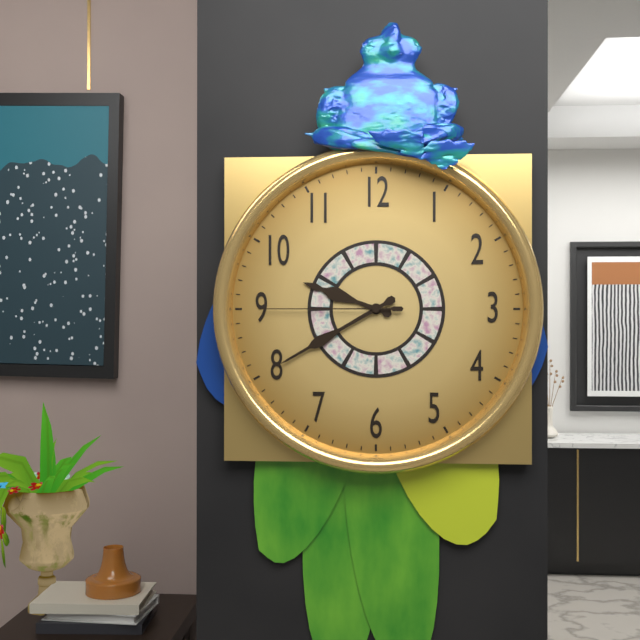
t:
9:40:45
